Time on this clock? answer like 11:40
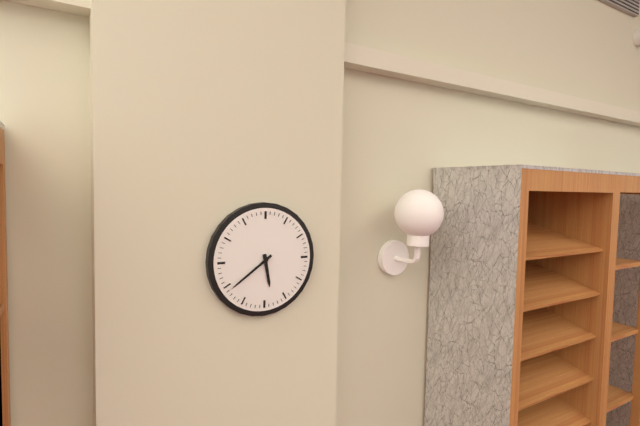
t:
5:39
